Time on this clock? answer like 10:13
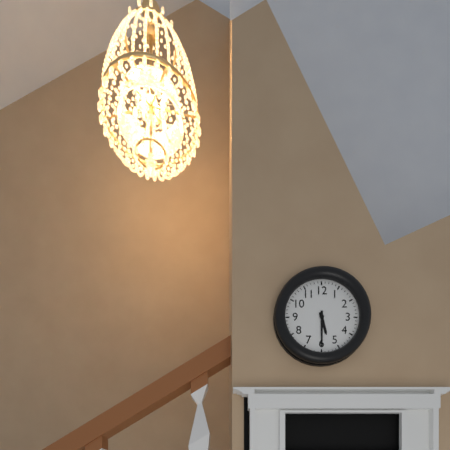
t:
5:30
